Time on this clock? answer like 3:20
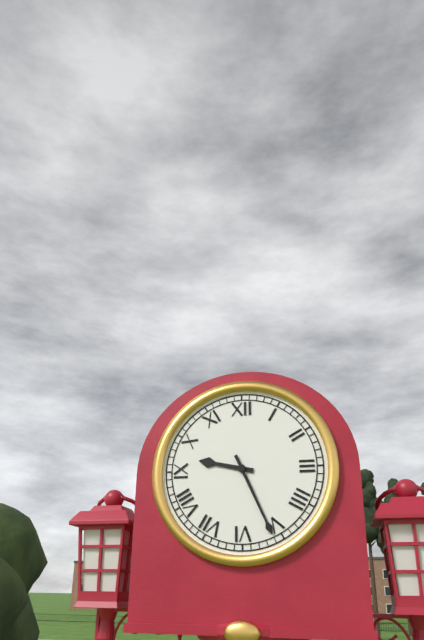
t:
9:26
